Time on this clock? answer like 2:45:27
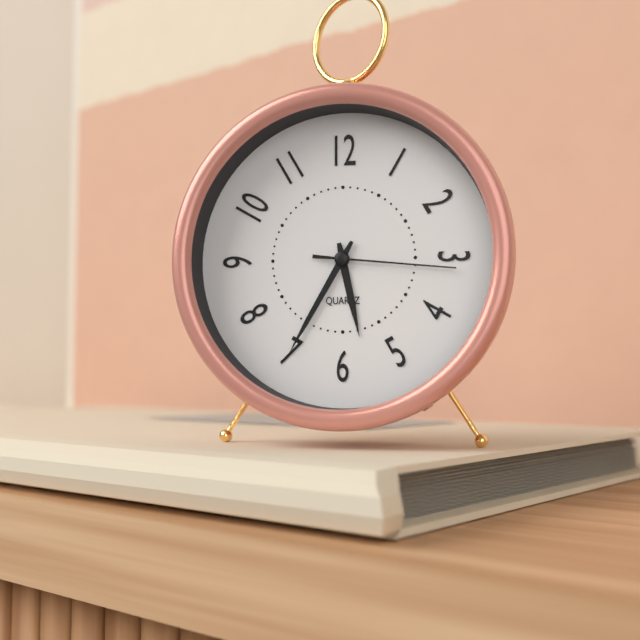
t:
5:35:16
